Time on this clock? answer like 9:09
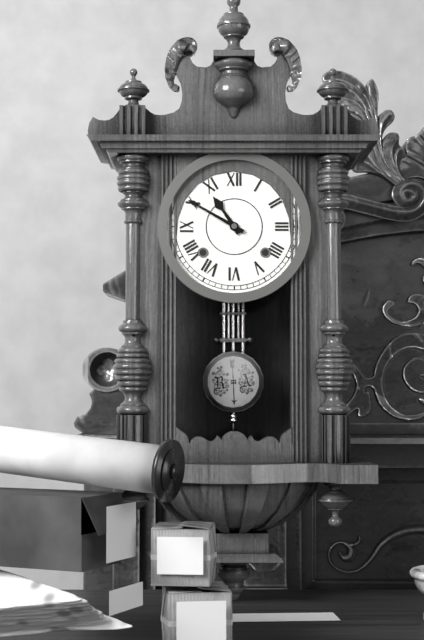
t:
10:50
